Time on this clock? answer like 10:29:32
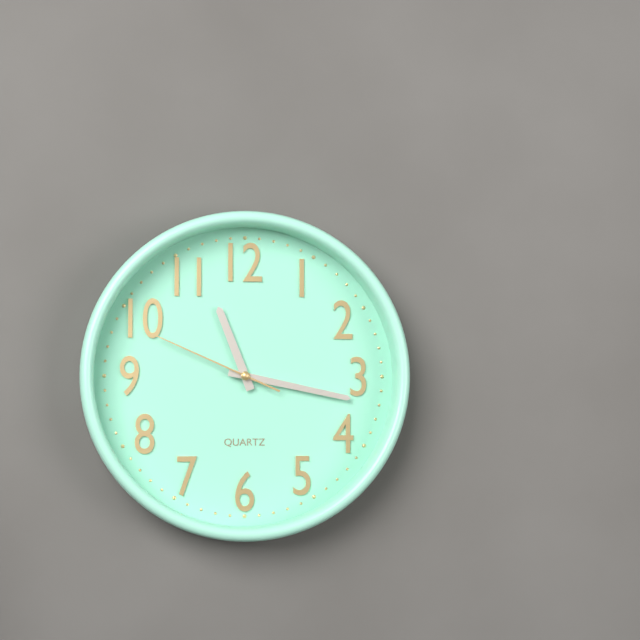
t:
11:17:49
